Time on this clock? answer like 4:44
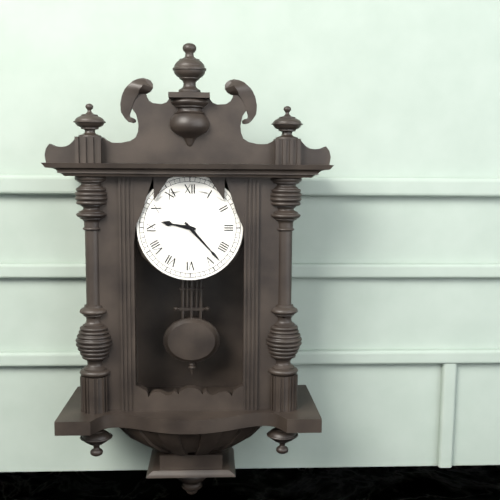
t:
9:23
